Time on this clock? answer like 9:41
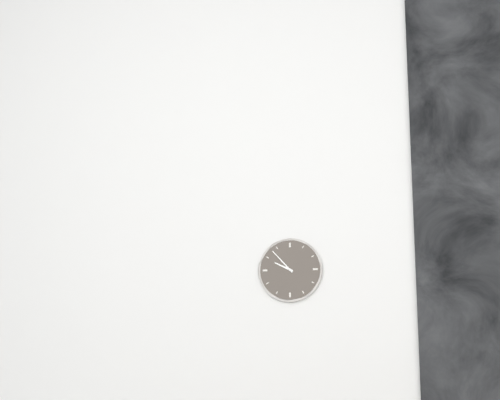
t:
9:53
